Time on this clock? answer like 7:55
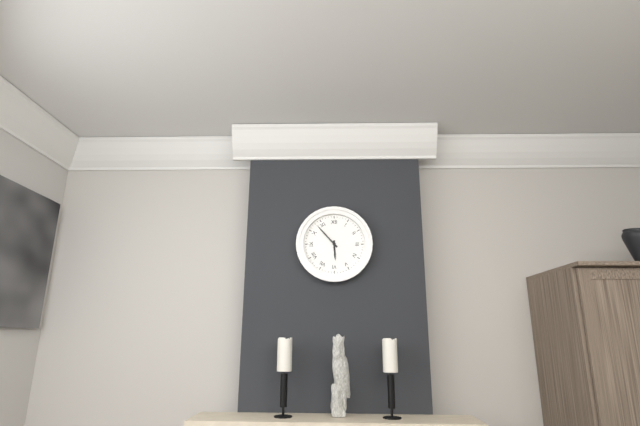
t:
5:53
